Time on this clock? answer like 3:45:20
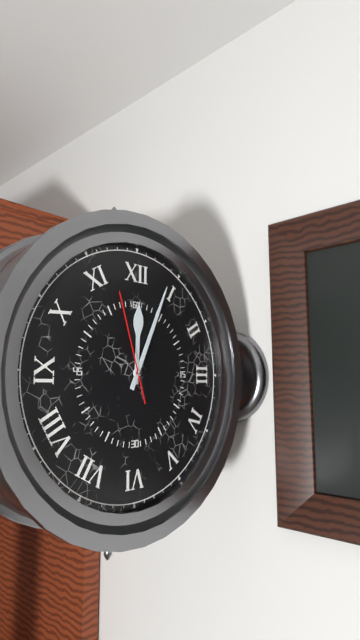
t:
12:04:57
